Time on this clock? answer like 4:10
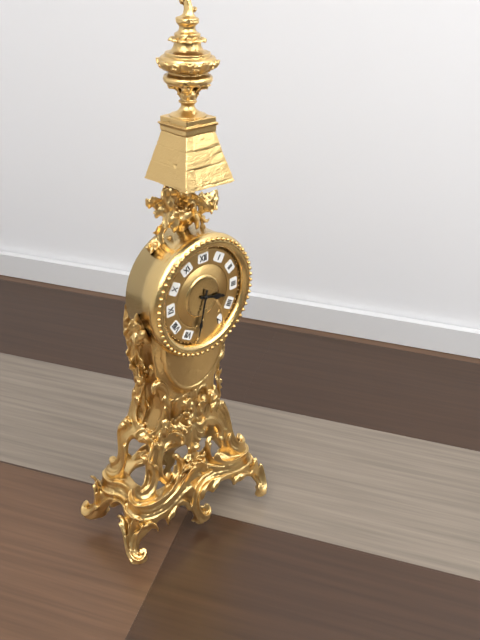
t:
3:32
